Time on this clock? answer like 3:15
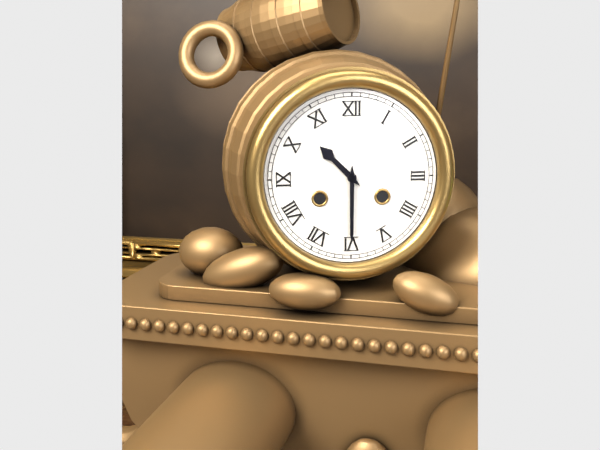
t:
10:30
